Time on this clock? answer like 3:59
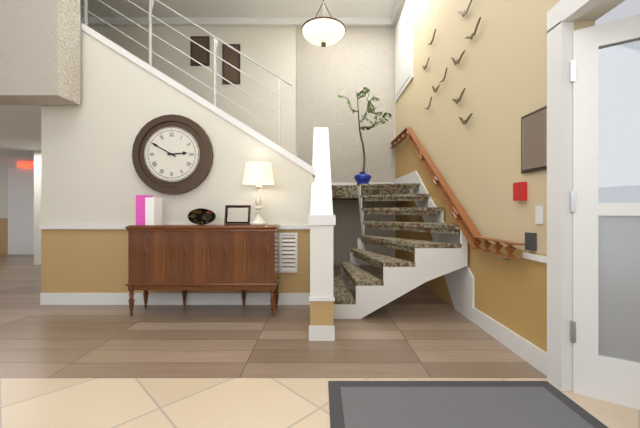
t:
2:50
